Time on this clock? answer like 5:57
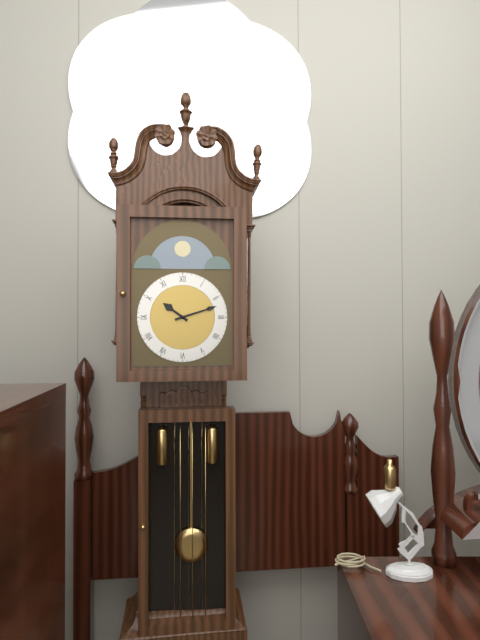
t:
10:12
